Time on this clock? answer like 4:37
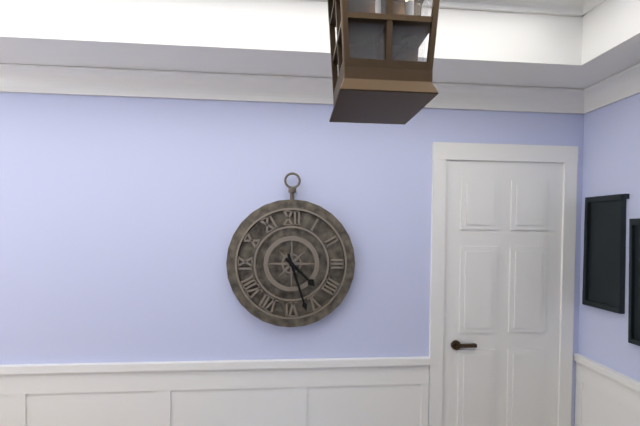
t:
4:27
